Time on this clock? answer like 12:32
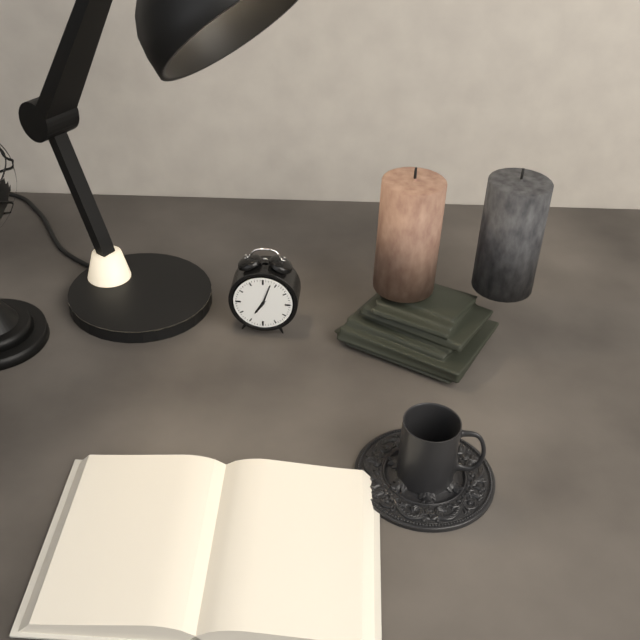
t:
7:03
